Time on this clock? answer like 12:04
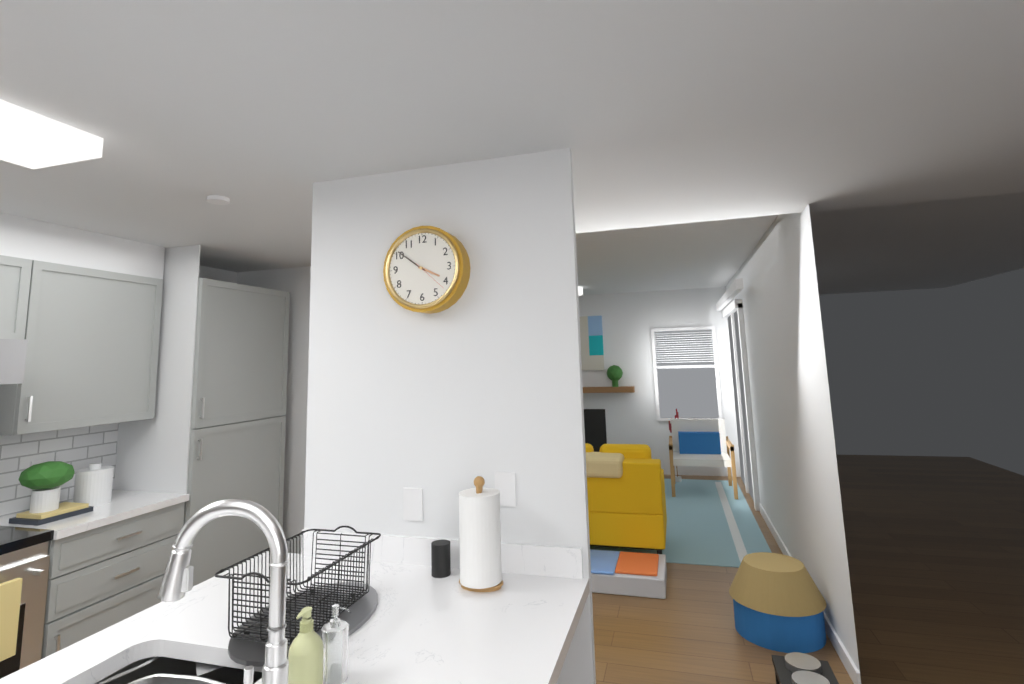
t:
3:51
